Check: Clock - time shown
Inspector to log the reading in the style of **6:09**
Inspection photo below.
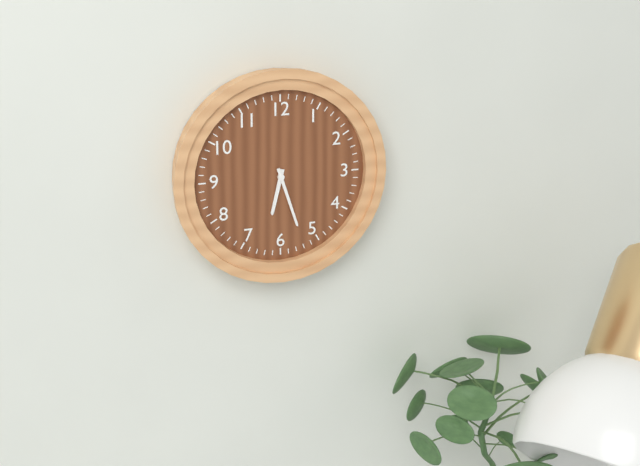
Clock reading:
**6:27**
